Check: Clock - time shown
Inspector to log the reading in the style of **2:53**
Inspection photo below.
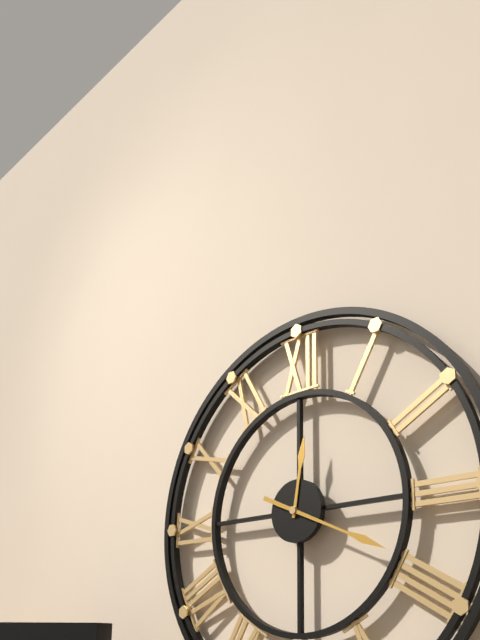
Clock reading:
**12:19**
